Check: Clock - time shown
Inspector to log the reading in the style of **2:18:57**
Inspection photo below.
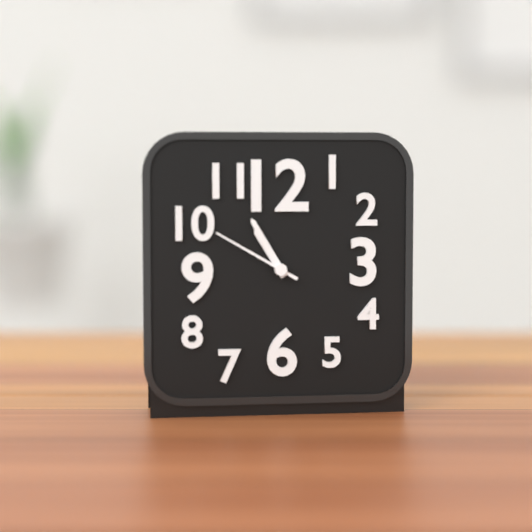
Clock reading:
**10:55:50**
